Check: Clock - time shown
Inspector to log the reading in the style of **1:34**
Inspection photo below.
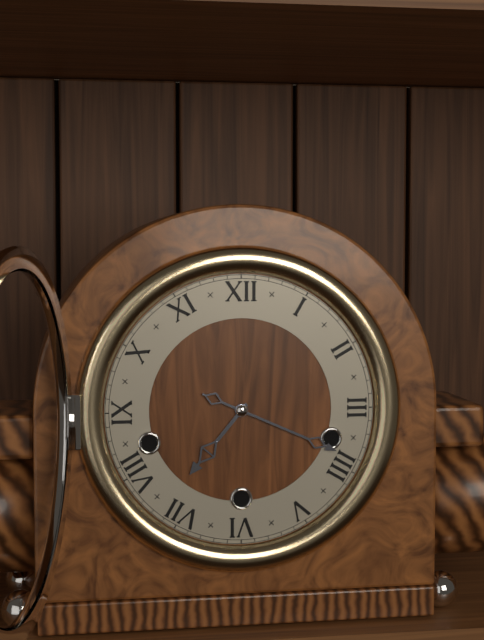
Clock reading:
**7:19**
